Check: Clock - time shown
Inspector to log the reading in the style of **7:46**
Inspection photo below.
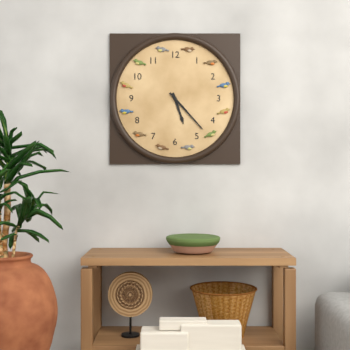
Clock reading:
**5:23**
